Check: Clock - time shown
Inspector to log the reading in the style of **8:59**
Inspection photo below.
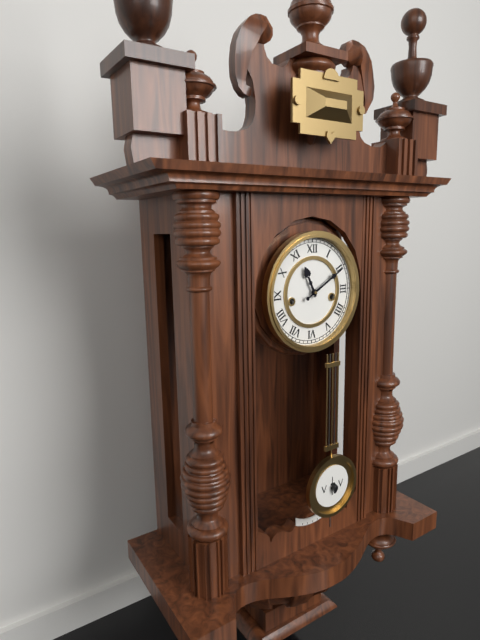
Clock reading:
**11:10**
